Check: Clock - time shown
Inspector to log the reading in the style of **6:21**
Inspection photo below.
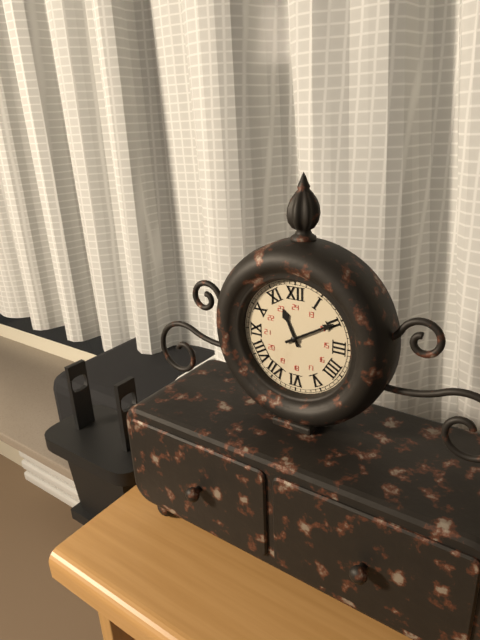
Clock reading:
**11:10**
